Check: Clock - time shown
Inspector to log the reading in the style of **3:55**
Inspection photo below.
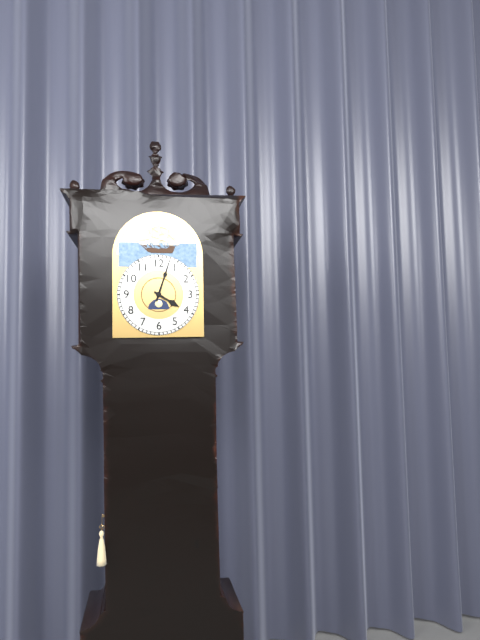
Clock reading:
**4:03**
